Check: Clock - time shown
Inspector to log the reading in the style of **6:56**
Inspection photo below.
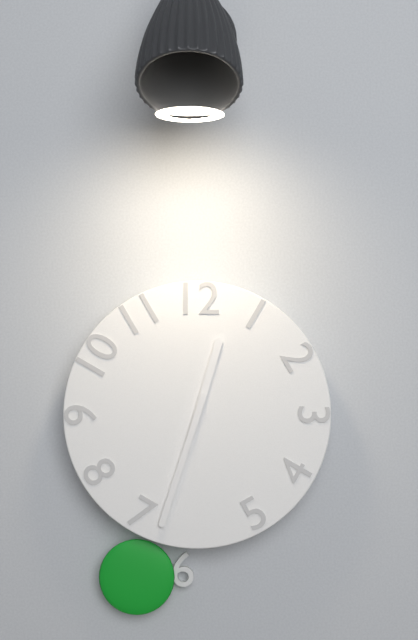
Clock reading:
**12:33**
